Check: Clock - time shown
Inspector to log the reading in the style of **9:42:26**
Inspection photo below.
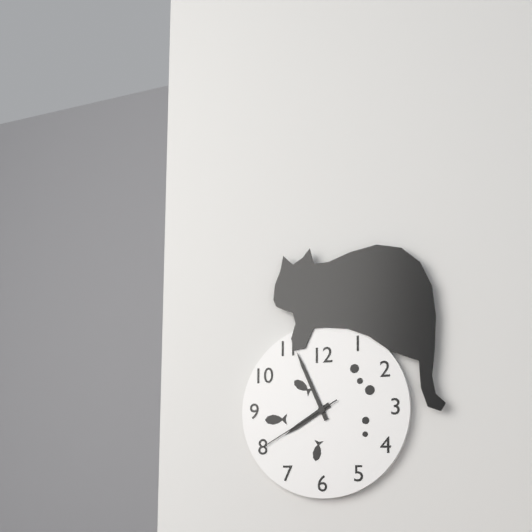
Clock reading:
**7:56:40**
